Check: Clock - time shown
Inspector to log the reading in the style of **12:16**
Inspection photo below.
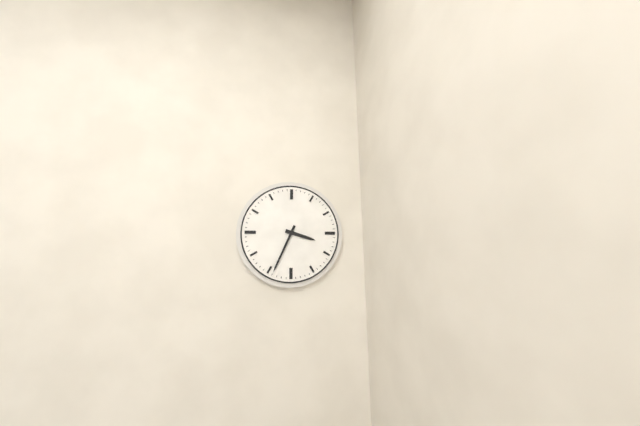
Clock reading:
**3:34**
